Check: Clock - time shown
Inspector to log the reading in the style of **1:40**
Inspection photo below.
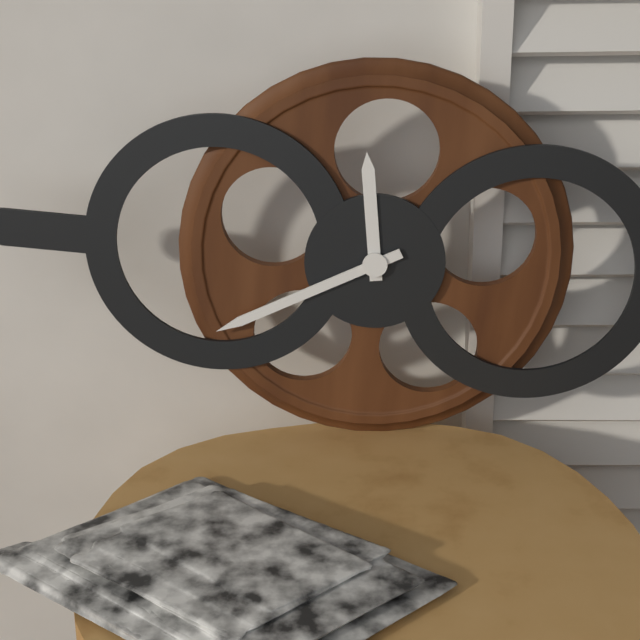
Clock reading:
**11:40**
